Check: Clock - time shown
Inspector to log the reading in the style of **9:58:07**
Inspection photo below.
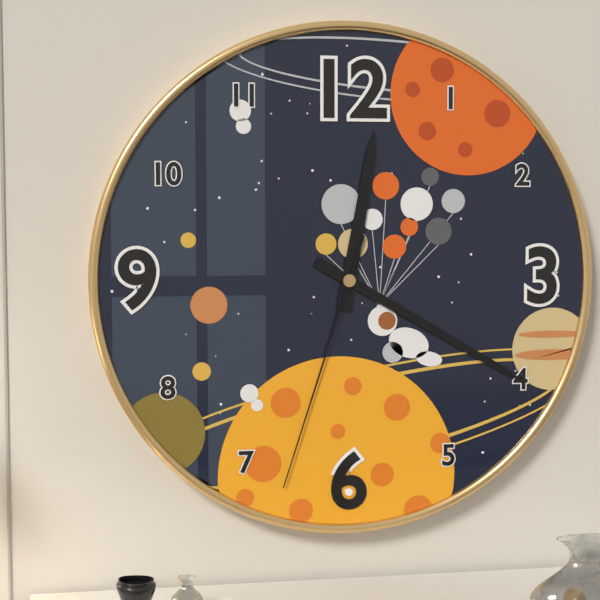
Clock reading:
**12:20:33**
